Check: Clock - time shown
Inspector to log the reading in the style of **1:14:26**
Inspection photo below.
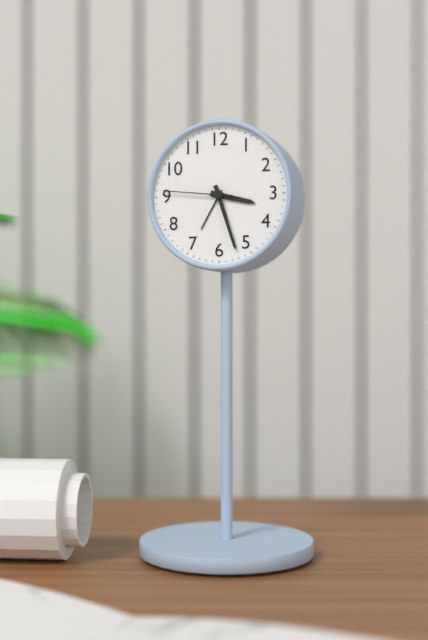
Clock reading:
**3:27:46**
